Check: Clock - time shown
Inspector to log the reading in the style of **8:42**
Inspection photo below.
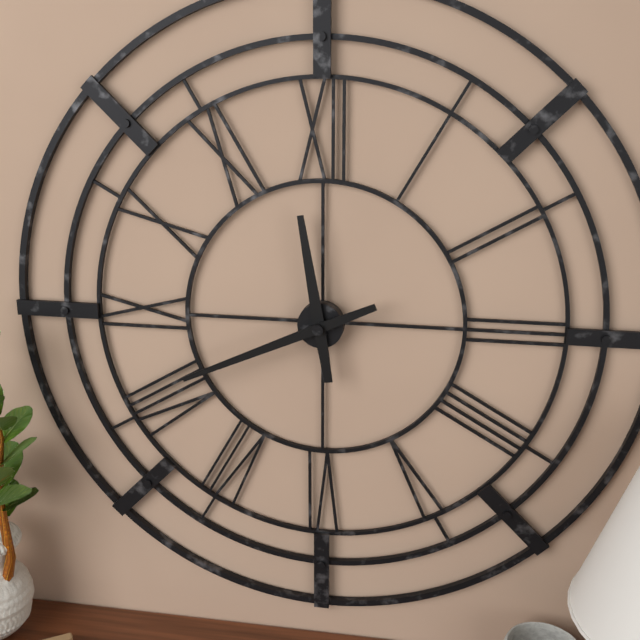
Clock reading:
**11:41**
